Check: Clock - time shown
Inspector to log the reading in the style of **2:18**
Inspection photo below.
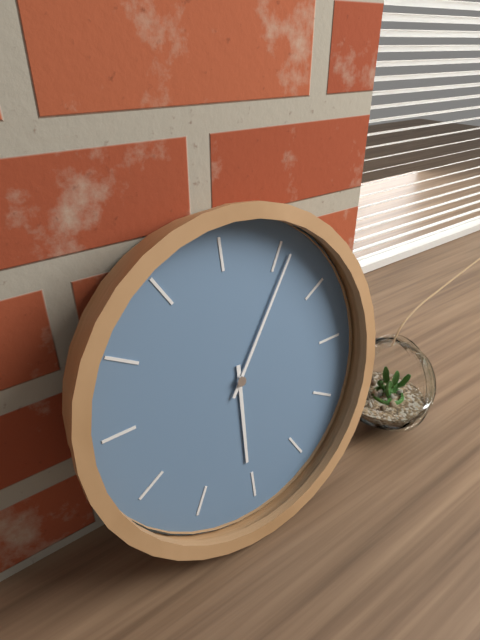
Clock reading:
**6:06**
